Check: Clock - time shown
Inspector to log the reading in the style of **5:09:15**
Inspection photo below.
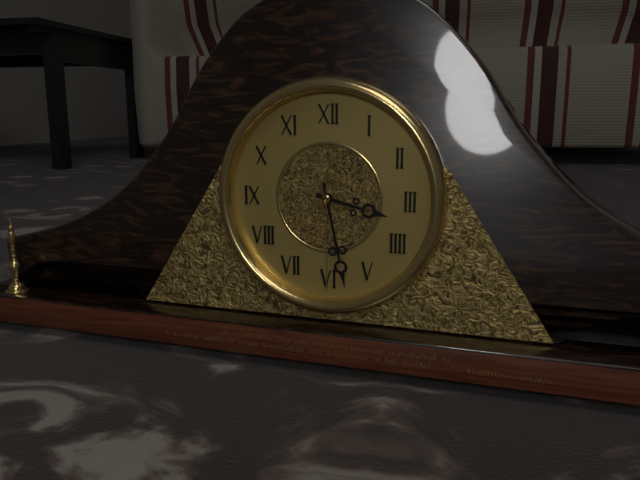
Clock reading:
**3:28:30**
